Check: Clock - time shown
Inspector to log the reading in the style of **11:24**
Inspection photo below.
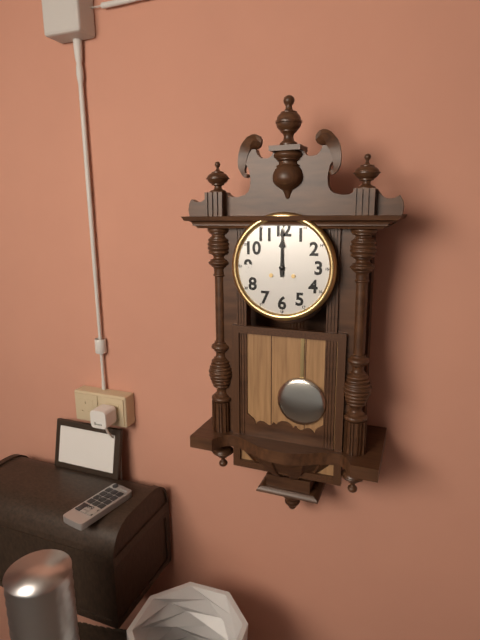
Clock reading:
**12:00**
